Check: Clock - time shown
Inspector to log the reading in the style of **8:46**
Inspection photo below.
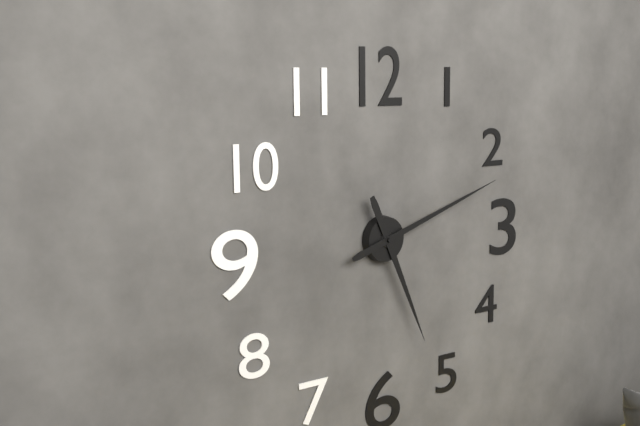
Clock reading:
**5:12**
